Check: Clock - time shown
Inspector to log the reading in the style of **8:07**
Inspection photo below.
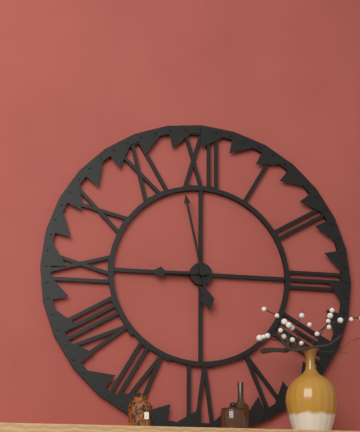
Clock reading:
**8:58**
